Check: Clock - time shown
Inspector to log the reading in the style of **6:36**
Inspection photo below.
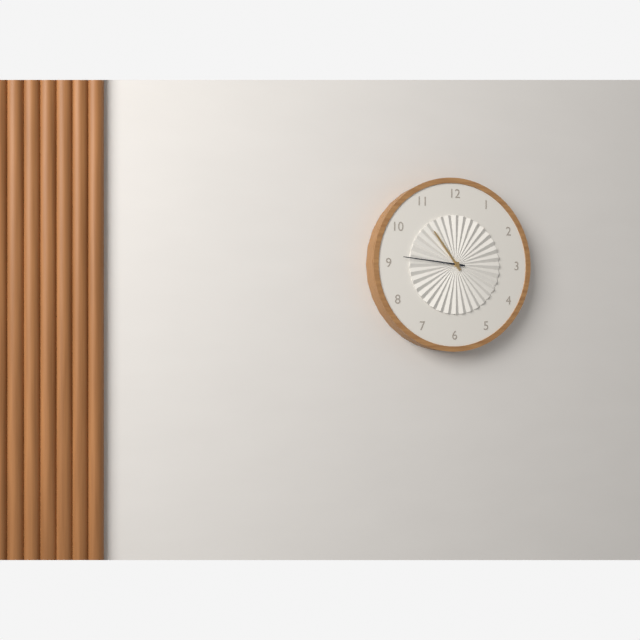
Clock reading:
**10:46**
